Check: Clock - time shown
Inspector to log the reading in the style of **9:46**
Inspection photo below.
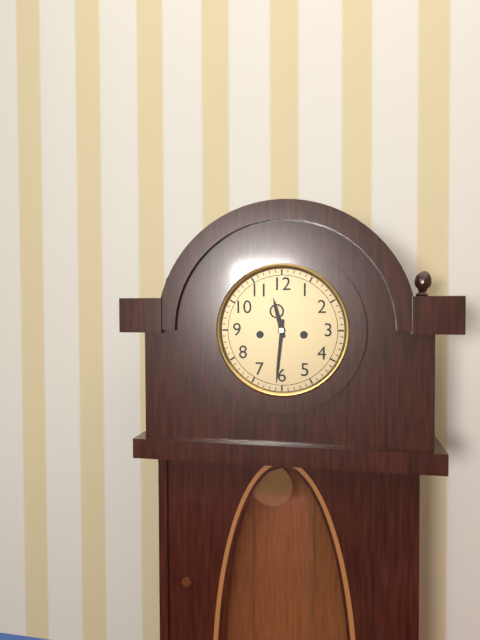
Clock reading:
**11:31**
